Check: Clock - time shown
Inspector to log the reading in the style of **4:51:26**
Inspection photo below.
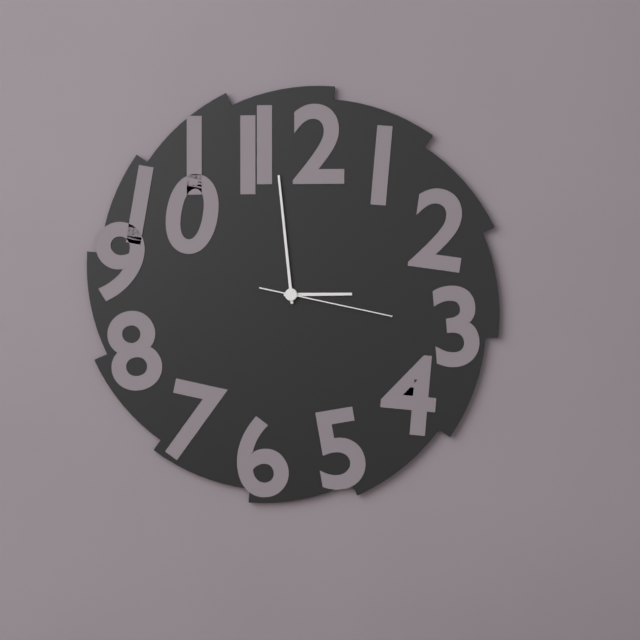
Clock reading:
**2:59:17**
